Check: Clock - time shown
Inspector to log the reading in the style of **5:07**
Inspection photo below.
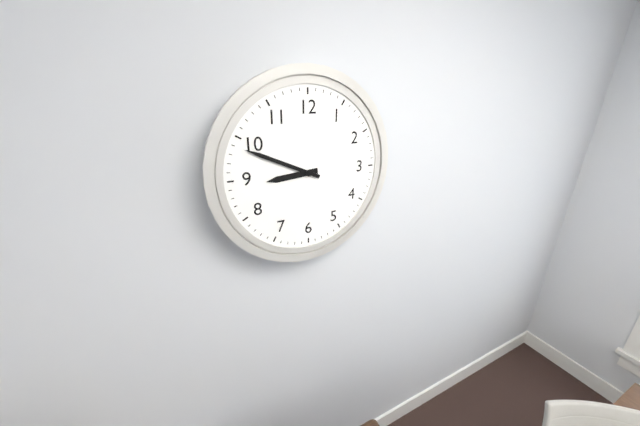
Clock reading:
**8:49**
